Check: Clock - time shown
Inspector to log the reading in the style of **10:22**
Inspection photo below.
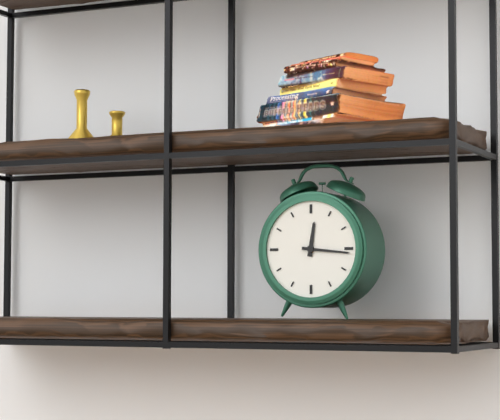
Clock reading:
**12:16**
